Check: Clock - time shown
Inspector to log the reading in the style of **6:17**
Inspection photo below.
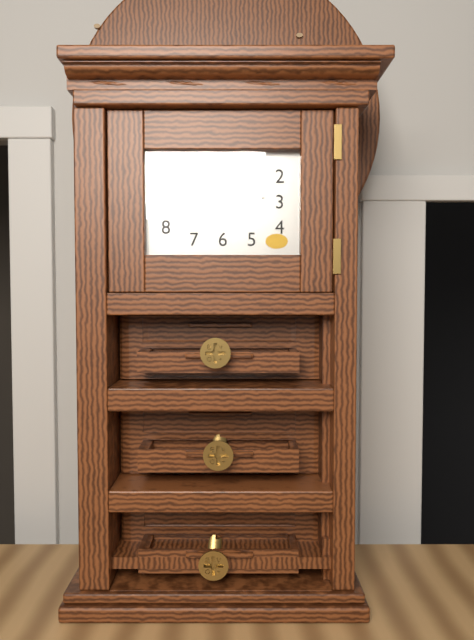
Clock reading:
**4:14**
